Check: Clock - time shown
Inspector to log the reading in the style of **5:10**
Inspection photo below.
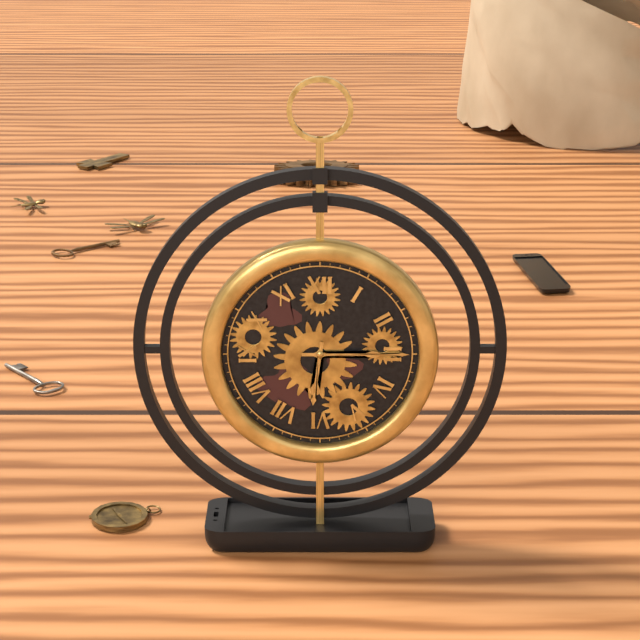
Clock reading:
**6:15**
